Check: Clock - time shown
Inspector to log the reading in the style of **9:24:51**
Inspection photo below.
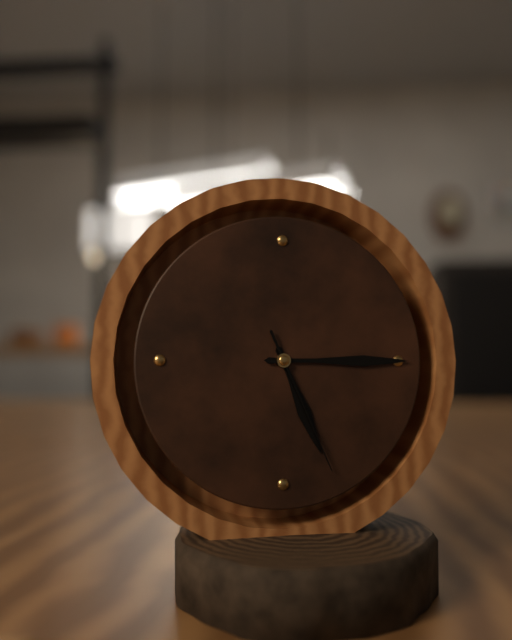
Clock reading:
**5:15:26**
